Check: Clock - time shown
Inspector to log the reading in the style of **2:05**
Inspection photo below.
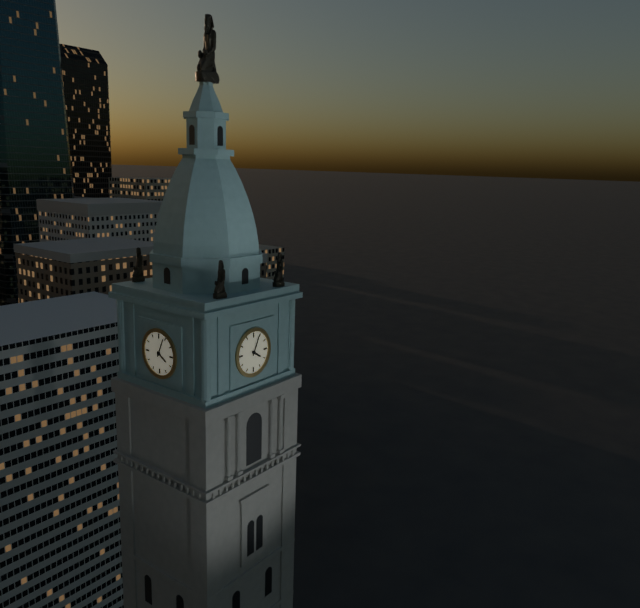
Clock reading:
**4:04**
